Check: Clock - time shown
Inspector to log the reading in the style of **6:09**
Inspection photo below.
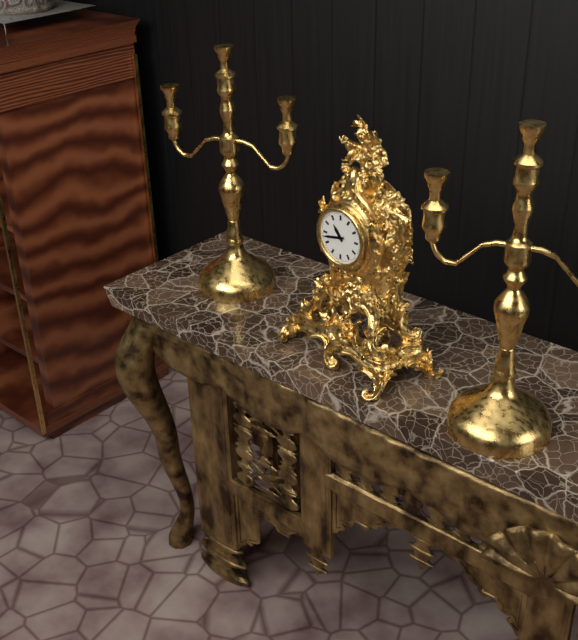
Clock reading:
**10:43**
